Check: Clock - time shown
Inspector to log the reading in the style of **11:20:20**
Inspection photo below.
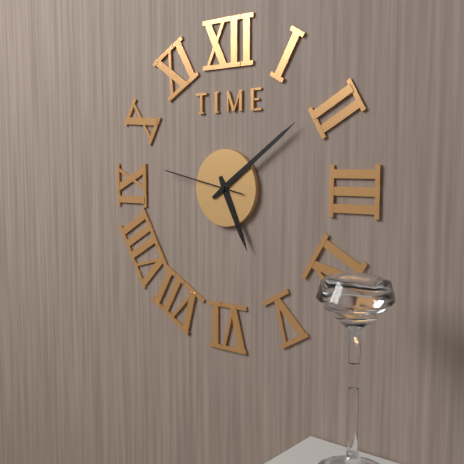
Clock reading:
**5:09:47**
